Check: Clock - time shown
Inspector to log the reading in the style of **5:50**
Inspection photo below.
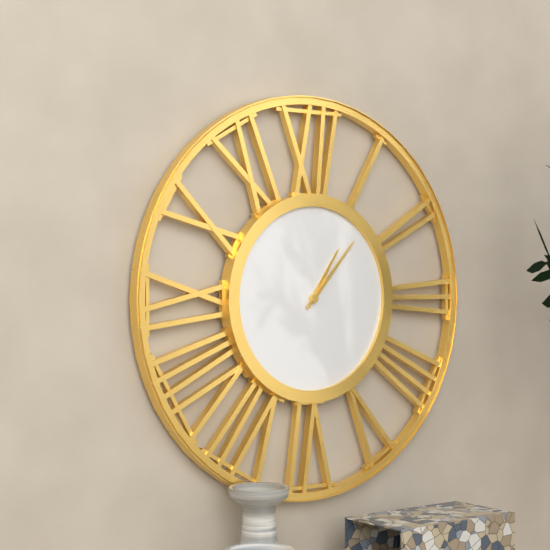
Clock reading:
**1:07**
